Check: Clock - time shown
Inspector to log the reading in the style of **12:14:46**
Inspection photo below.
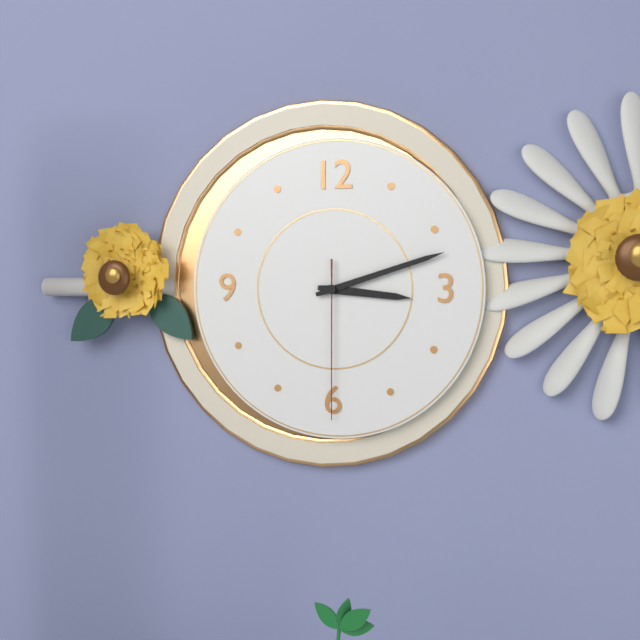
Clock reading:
**3:12:30**
